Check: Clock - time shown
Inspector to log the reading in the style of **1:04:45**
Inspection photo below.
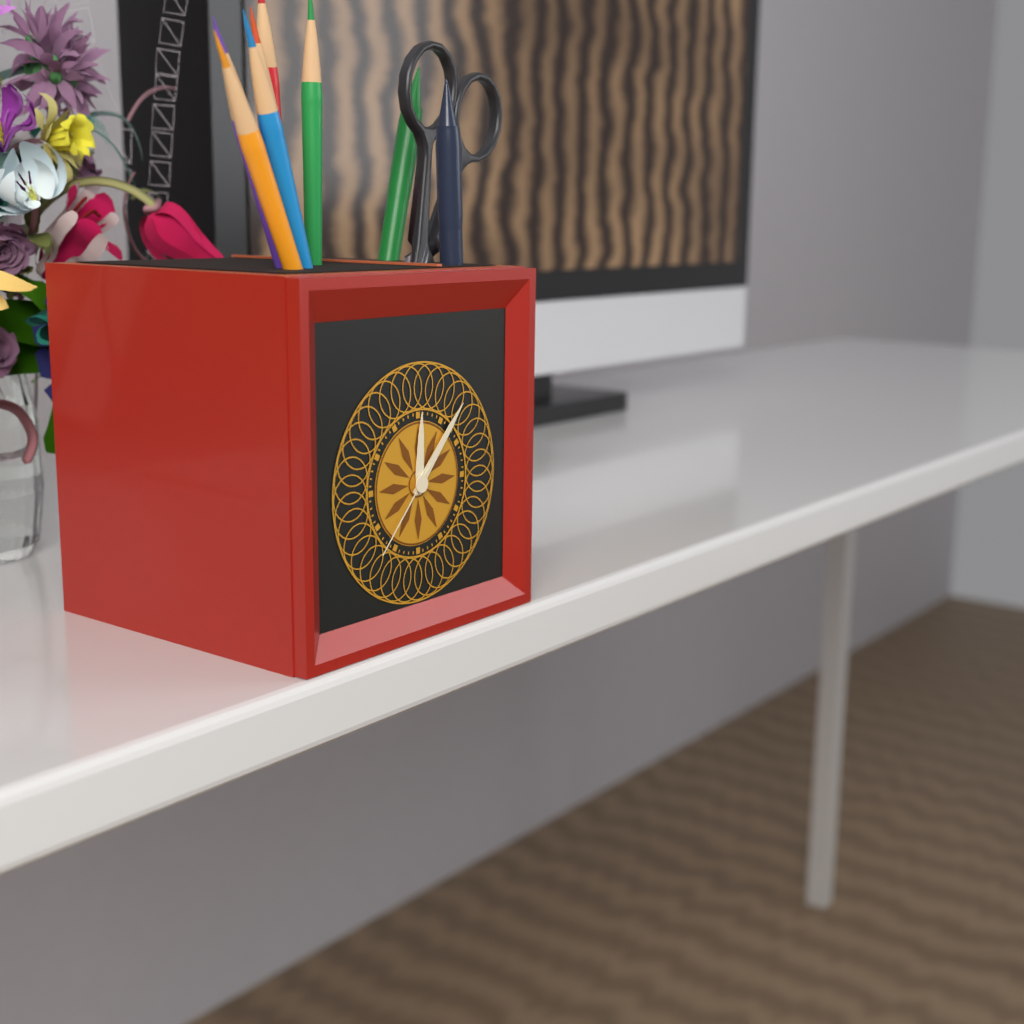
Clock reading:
**12:07:37**
